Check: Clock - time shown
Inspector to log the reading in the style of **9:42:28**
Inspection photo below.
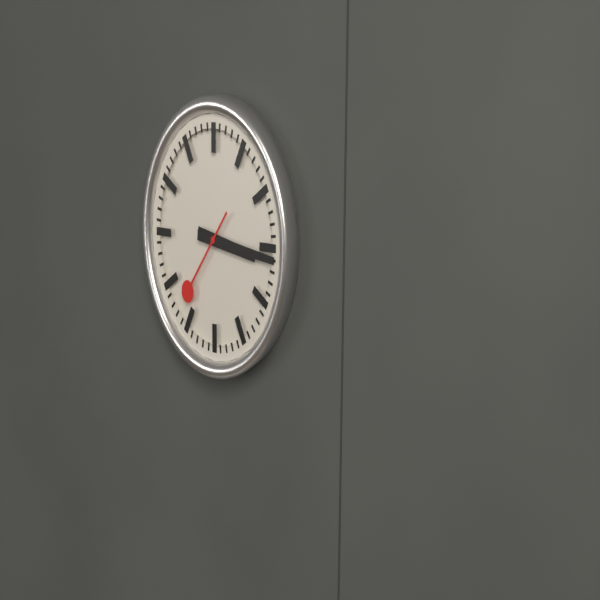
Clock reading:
**3:16:37**
